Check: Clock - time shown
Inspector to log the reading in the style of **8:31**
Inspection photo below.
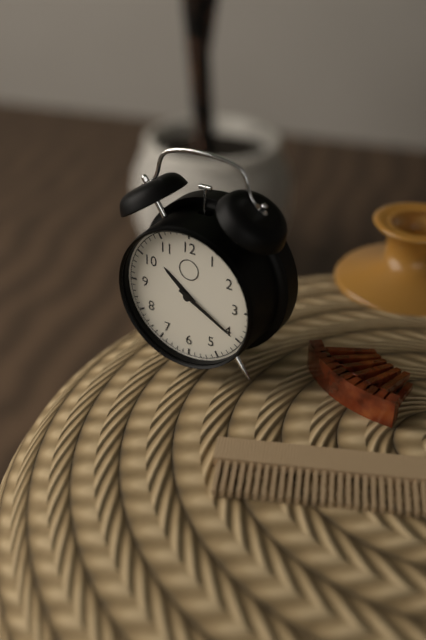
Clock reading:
**10:20**
